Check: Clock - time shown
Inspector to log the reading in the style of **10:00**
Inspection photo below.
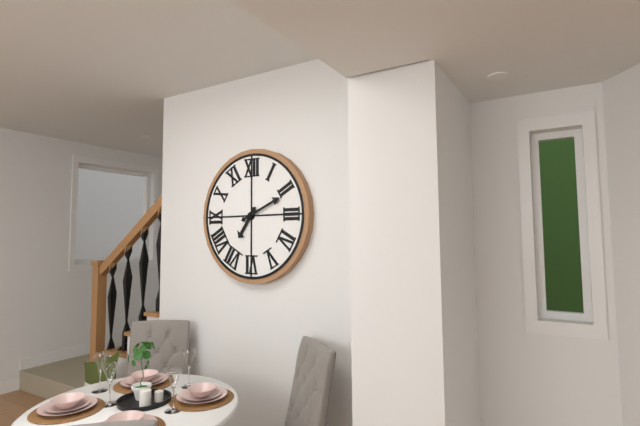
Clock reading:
**7:11**
